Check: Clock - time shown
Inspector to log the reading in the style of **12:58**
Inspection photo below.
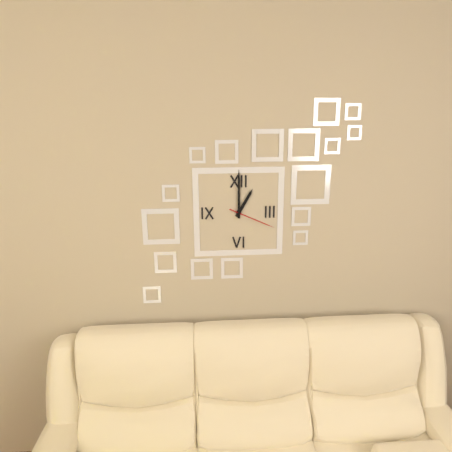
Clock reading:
**1:00**
